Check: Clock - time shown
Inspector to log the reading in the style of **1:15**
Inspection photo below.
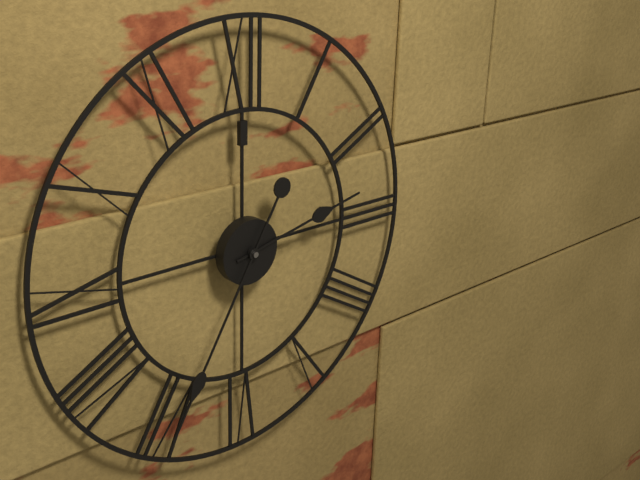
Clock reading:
**2:35**
